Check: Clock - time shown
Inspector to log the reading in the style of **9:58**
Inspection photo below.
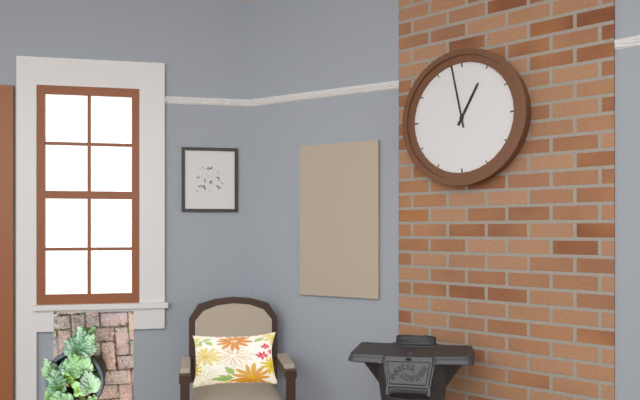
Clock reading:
**12:58**
